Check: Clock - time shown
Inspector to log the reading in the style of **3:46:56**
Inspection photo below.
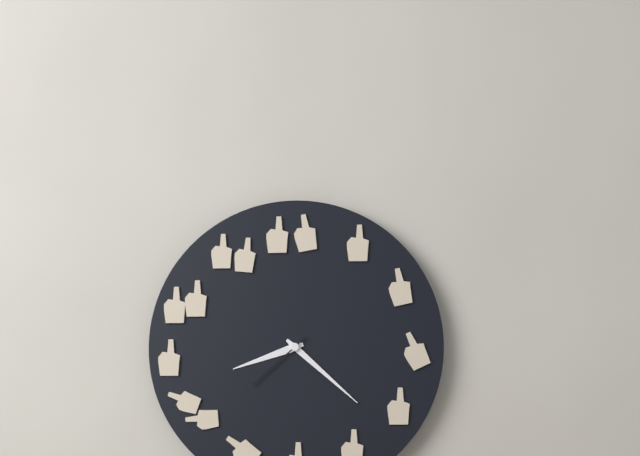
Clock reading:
**8:22:38**
